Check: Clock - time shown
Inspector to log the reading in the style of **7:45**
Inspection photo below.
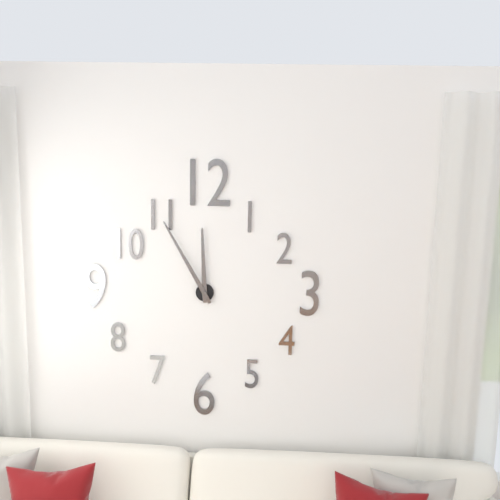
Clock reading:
**11:55**
